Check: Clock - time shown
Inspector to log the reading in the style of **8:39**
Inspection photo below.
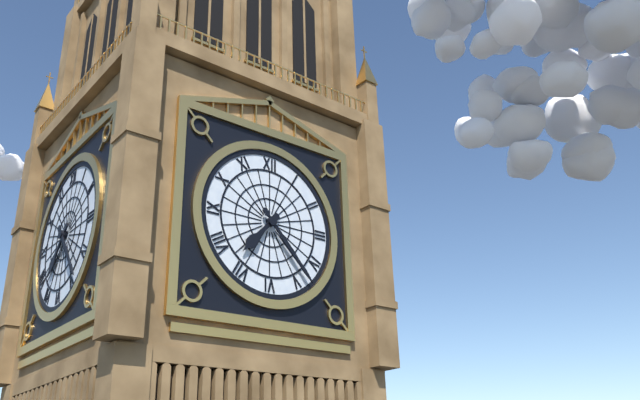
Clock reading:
**7:23**
